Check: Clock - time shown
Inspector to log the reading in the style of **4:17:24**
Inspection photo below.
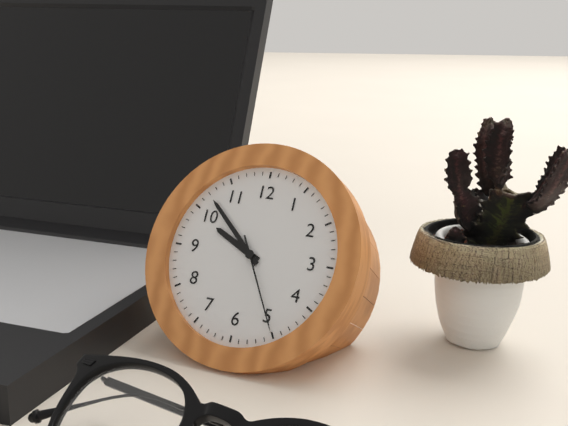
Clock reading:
**9:52:25**
